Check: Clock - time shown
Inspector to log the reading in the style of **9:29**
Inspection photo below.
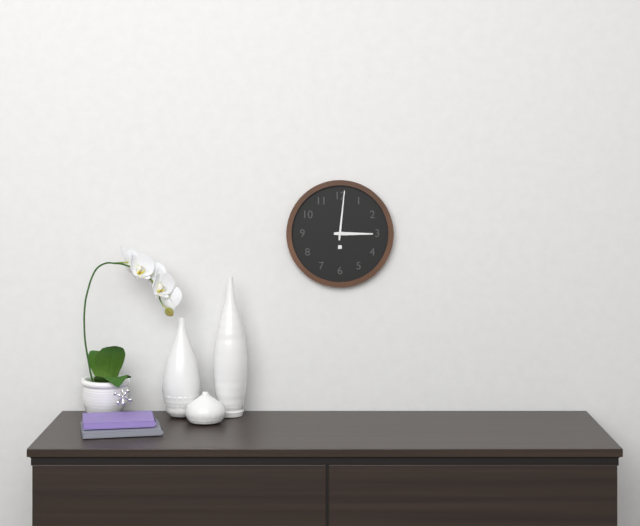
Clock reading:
**3:01**
